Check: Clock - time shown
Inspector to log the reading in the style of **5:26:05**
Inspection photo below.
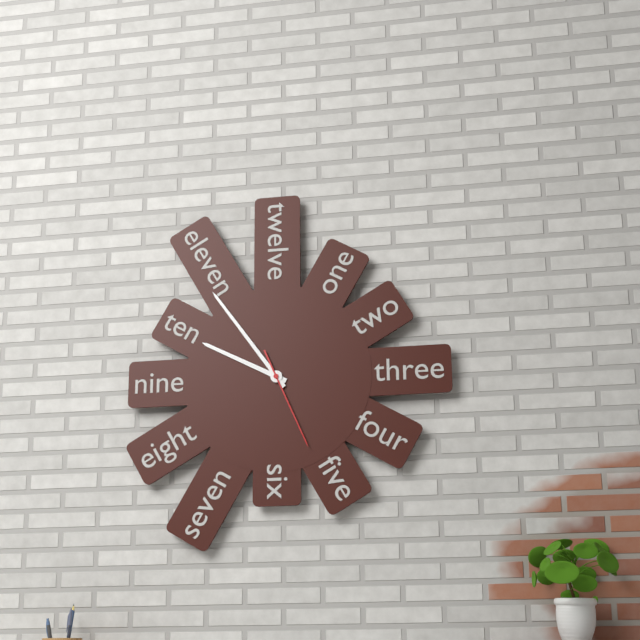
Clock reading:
**9:54:26**
